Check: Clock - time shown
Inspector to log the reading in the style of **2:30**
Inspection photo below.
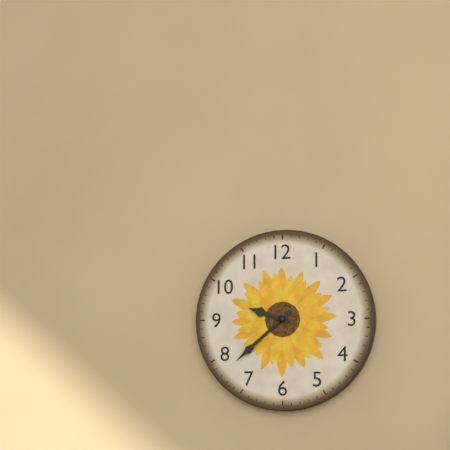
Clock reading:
**9:38**
